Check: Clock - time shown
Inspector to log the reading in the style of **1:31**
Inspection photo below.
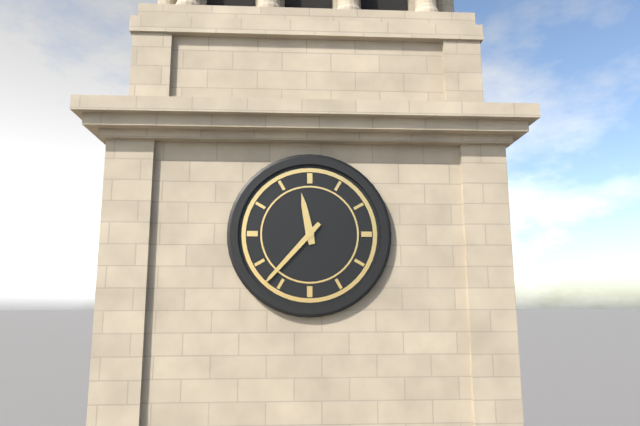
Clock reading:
**11:37**
